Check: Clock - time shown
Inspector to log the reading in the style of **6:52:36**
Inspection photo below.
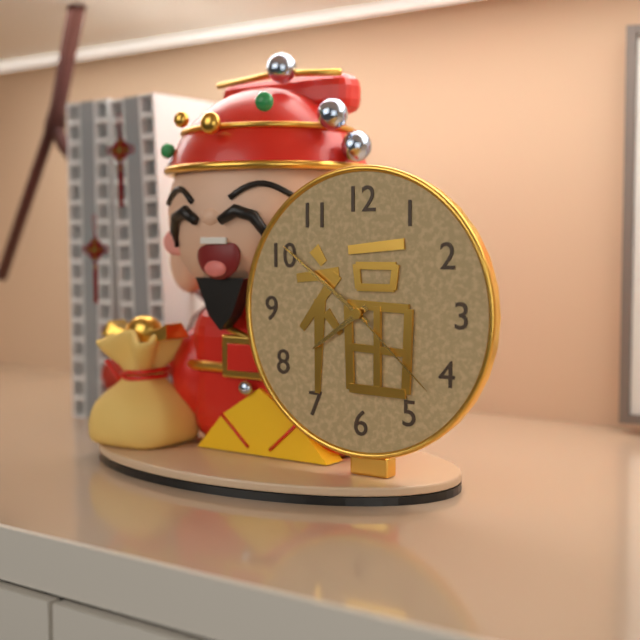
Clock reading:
**7:51:22**
